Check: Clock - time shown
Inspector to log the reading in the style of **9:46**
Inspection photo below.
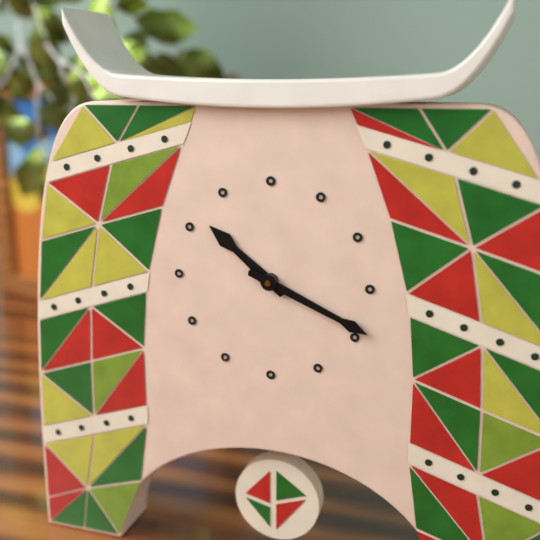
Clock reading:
**10:19**
